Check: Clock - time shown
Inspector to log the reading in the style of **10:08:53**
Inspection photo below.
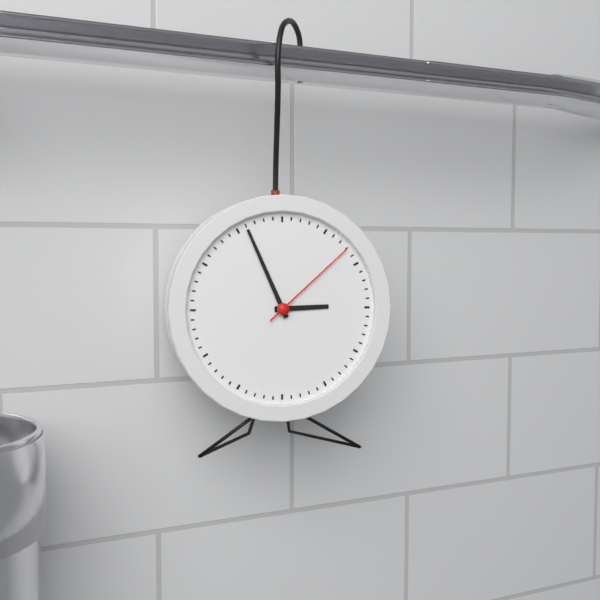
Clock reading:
**2:56:08**
